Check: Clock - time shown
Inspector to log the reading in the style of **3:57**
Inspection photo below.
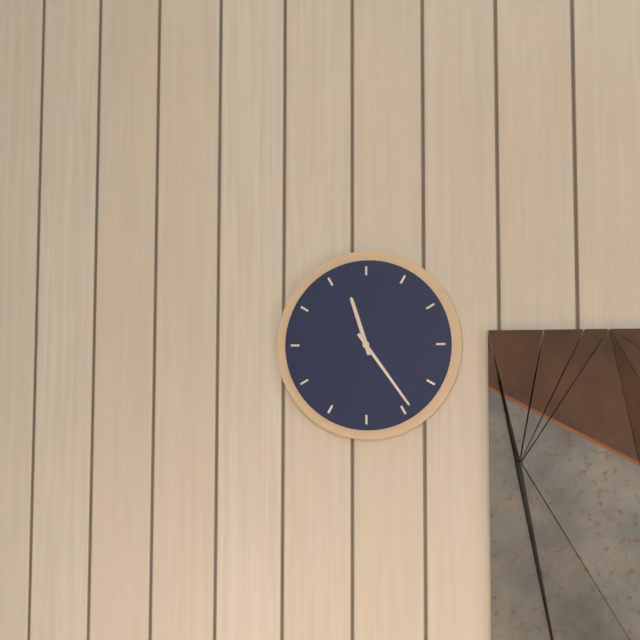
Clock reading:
**11:24**
